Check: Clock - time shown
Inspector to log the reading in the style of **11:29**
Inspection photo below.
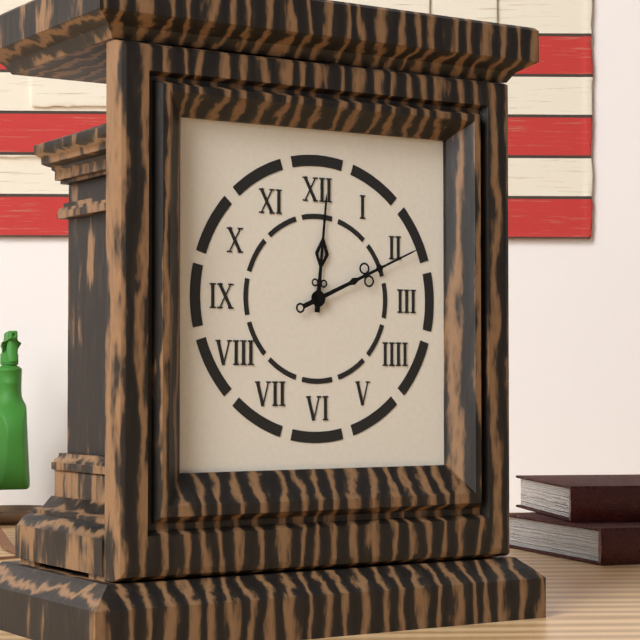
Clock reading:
**12:11**
